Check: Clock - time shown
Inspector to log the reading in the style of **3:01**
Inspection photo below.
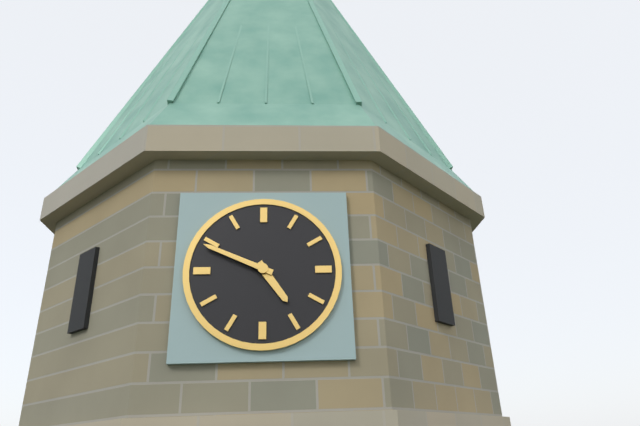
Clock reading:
**4:49**
